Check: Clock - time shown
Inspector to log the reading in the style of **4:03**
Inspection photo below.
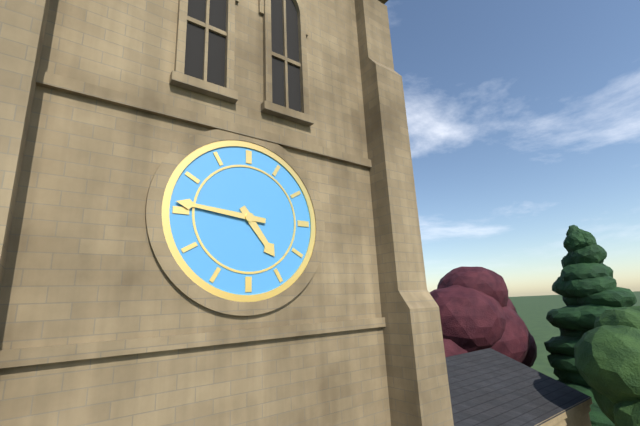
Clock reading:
**4:46**
